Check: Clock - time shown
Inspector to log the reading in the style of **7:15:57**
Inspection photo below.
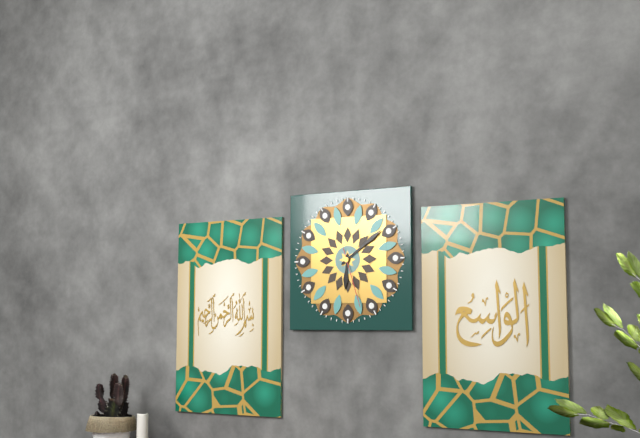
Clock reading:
**6:09:27**
